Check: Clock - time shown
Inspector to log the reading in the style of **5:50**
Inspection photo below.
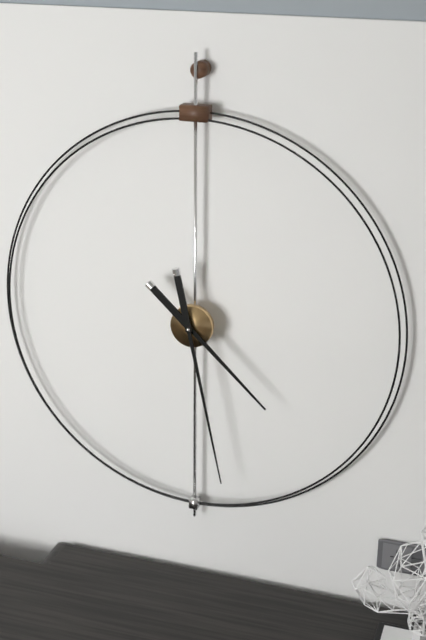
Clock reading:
**4:28**
